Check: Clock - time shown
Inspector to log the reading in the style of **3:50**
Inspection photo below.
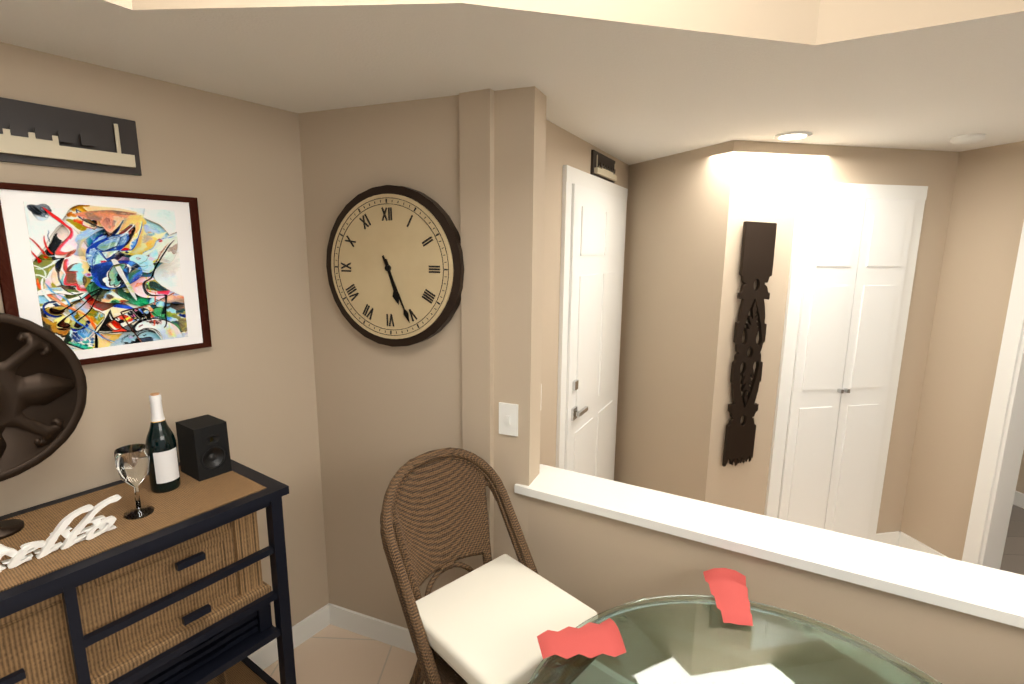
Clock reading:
**5:26**
